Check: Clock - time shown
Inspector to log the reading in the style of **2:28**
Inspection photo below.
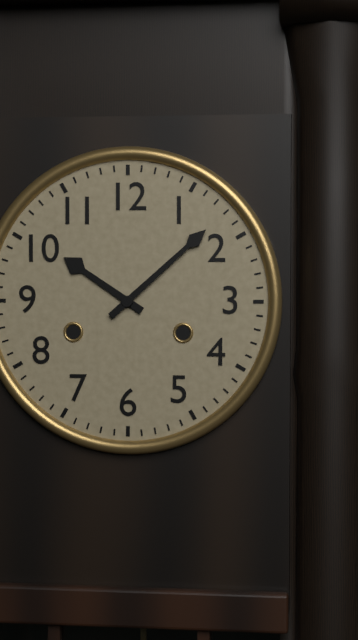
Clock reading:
**10:08**
